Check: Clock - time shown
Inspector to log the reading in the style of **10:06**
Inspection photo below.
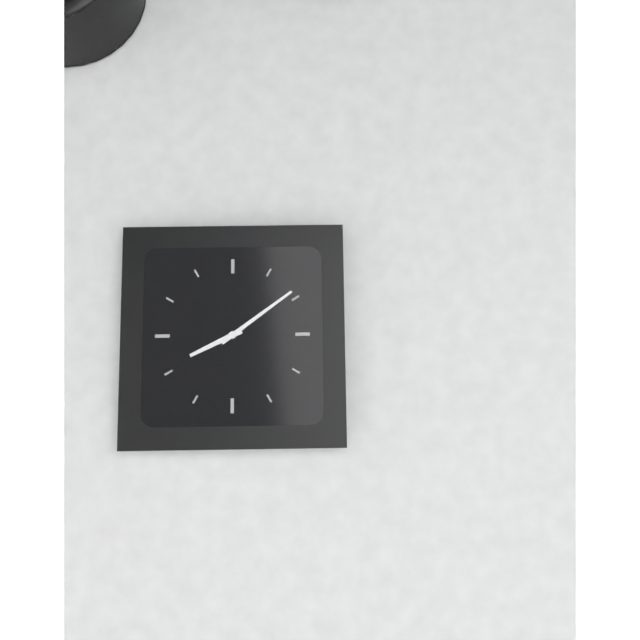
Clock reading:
**8:09**
